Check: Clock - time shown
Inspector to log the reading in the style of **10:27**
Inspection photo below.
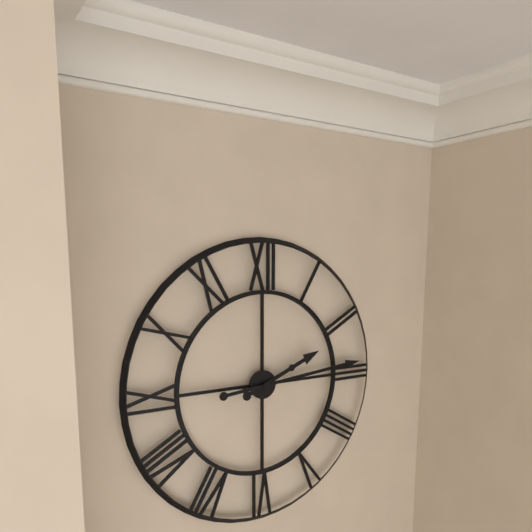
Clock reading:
**2:14**
